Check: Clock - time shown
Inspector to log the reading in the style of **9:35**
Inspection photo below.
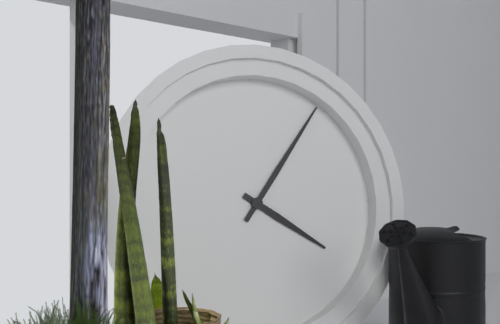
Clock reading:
**4:06**
